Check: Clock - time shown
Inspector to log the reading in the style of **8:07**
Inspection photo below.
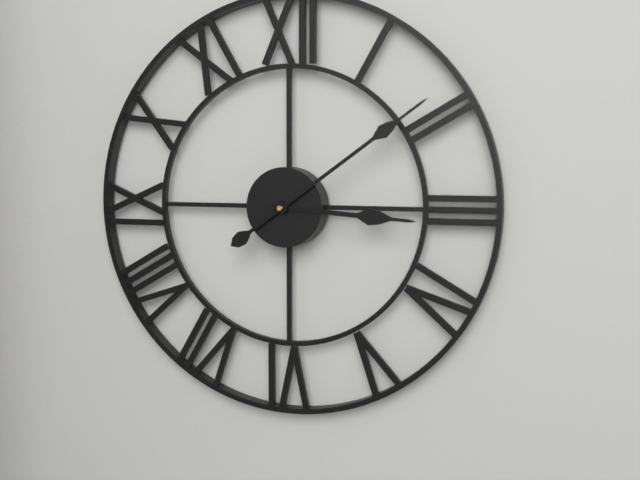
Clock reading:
**3:09**
